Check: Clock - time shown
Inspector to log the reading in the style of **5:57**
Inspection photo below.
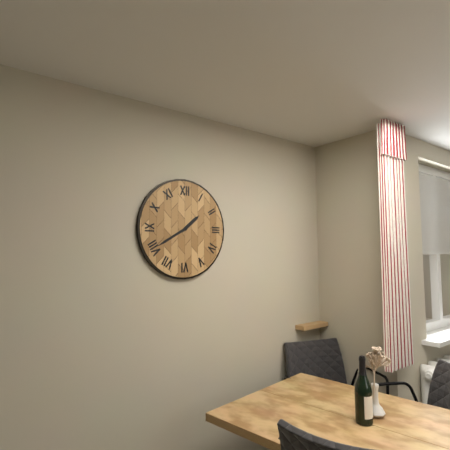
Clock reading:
**1:40**
